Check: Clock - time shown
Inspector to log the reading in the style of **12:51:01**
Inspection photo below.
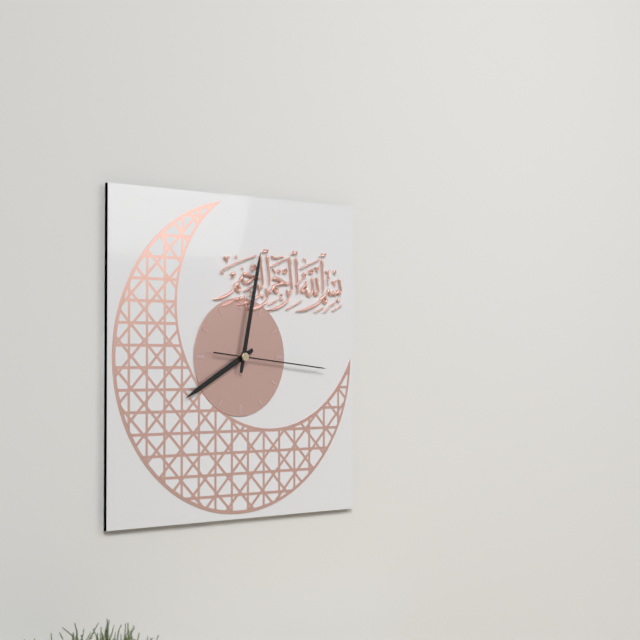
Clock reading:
**8:02:16**
